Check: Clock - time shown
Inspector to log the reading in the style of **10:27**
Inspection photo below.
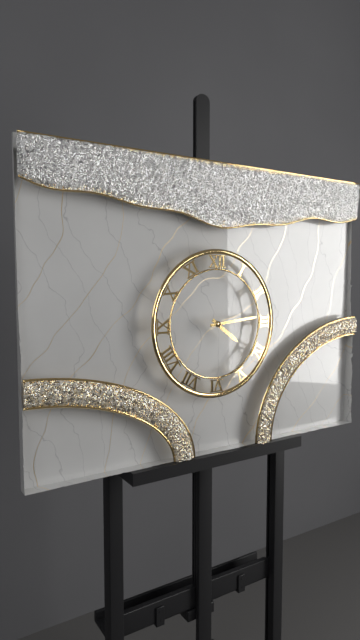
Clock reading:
**4:14**
